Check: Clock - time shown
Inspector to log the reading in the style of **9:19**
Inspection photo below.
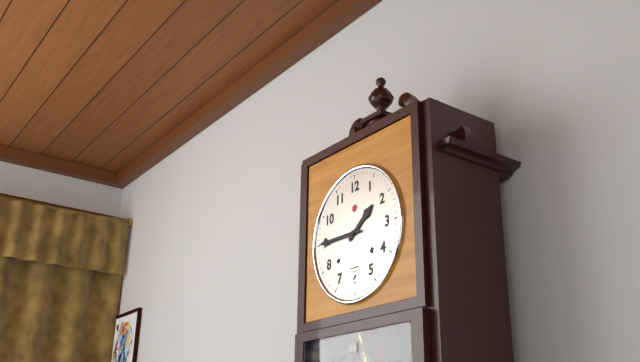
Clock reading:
**1:45**
